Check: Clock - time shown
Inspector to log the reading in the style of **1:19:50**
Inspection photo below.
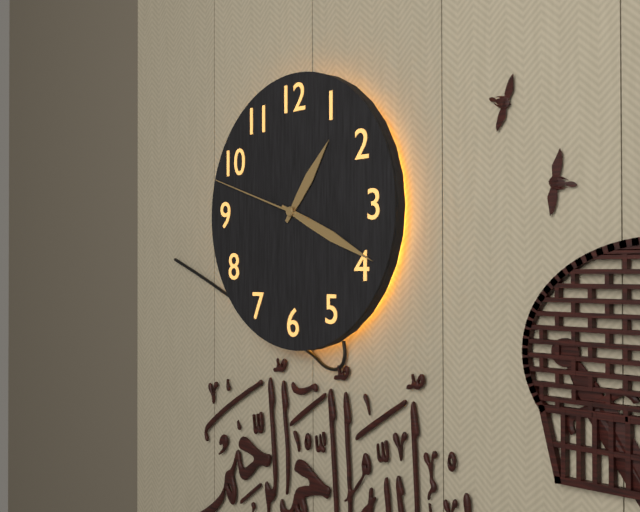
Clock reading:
**1:19:48**
